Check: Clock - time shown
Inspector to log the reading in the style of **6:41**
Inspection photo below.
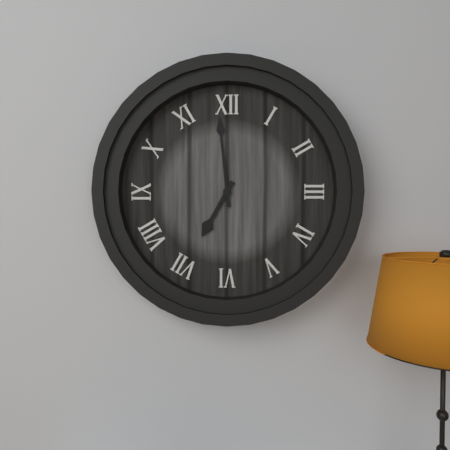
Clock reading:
**6:59**
